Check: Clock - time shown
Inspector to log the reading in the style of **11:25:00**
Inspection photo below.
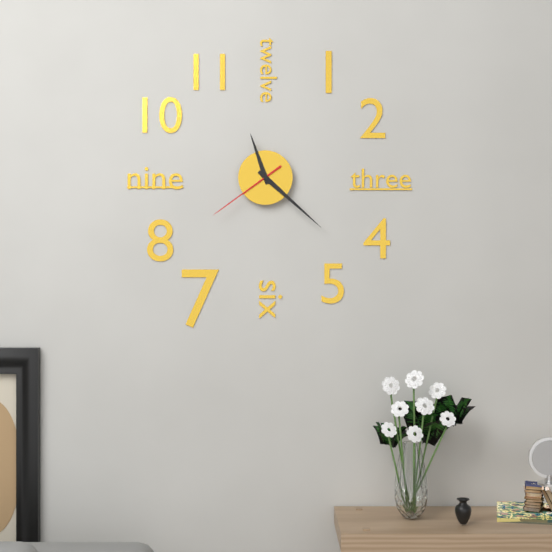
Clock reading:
**11:22:39**
